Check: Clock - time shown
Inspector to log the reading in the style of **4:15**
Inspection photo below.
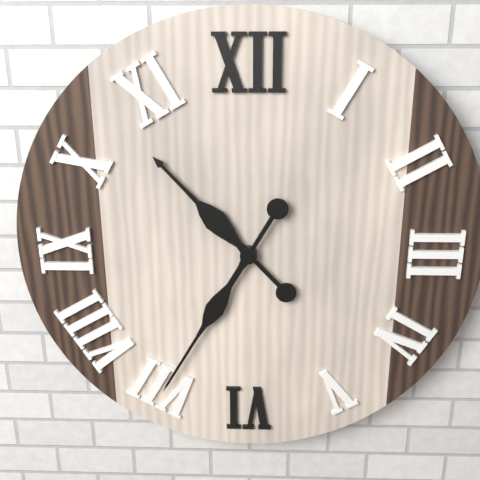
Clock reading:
**10:35**
